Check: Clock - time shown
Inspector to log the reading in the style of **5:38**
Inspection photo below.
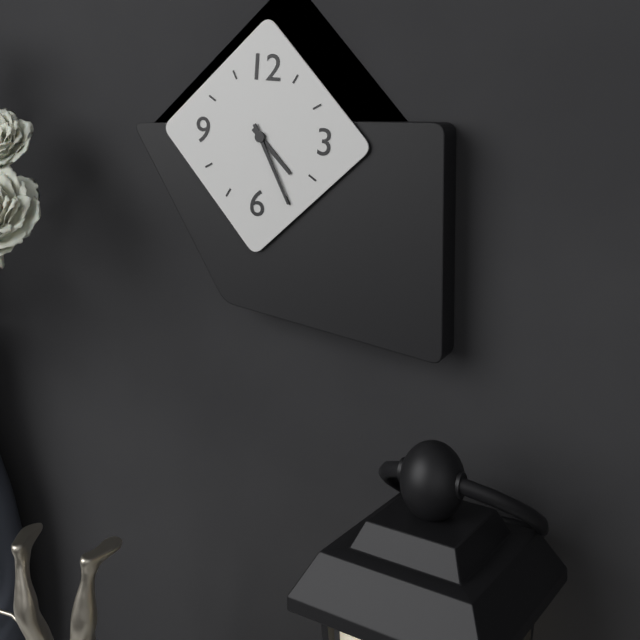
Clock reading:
**4:25**
